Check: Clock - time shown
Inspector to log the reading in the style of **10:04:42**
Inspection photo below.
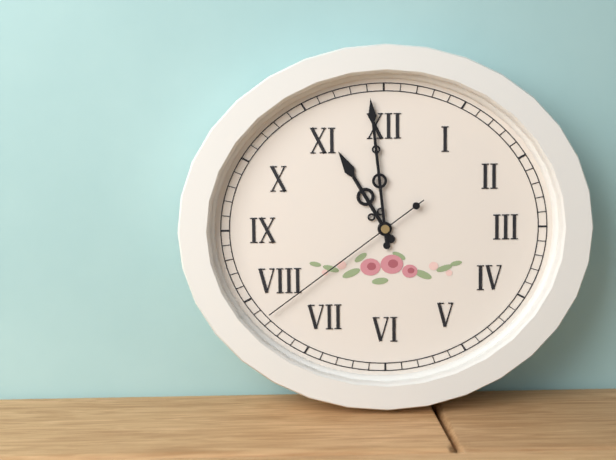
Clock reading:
**10:59:39**
